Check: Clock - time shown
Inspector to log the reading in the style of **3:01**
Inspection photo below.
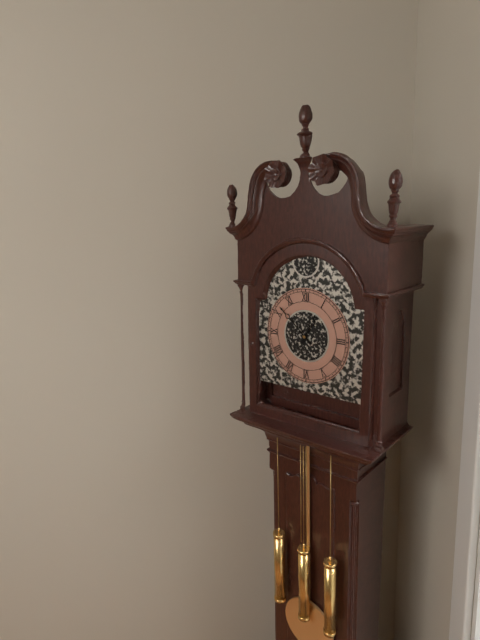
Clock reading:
**12:52**
